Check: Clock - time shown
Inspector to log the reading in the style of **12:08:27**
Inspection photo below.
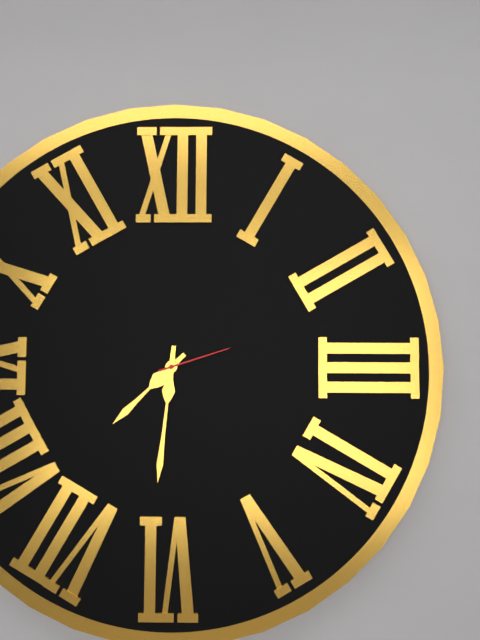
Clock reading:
**7:31:12**
